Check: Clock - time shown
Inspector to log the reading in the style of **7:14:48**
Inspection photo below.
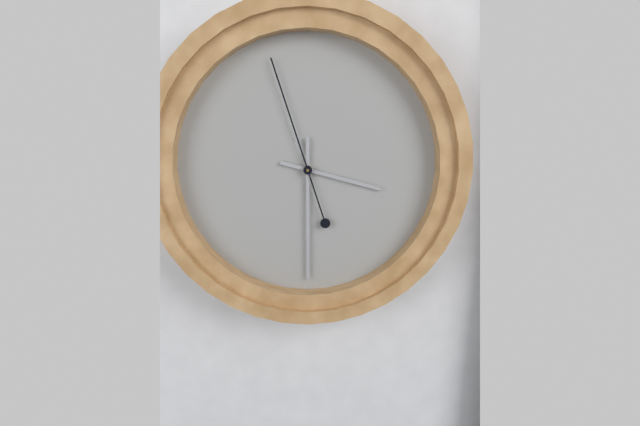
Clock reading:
**3:30:57**
